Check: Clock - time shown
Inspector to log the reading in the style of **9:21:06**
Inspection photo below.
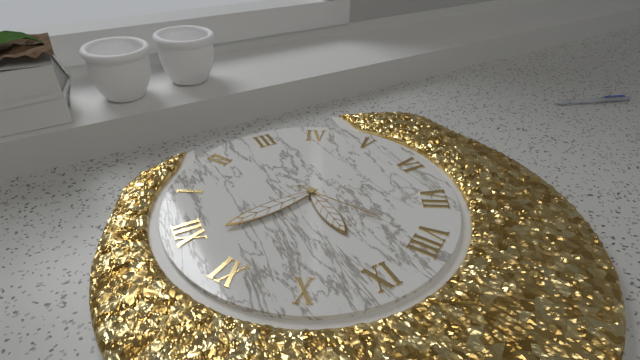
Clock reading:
**8:59:40**
